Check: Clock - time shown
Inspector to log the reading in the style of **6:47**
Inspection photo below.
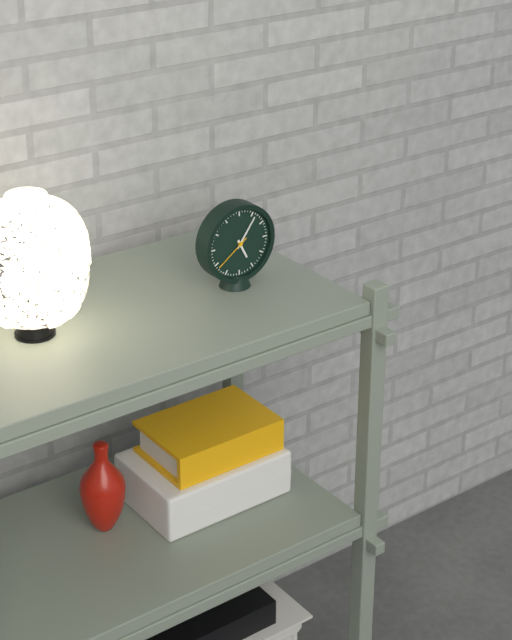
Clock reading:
**5:06**
